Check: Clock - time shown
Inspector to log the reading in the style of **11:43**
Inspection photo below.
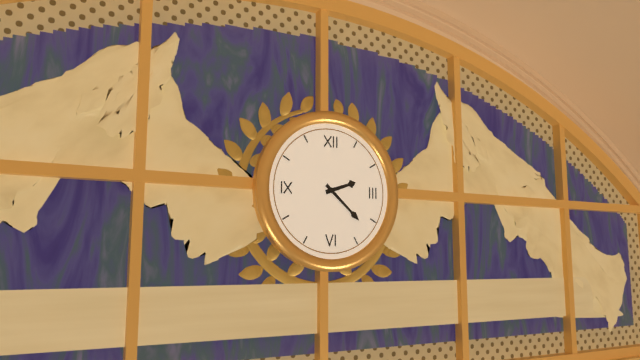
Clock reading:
**2:22**
